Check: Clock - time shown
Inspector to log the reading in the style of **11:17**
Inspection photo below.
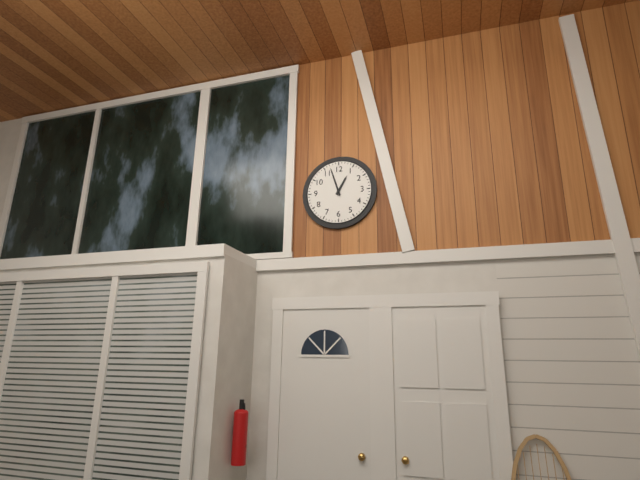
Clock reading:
**12:57**
